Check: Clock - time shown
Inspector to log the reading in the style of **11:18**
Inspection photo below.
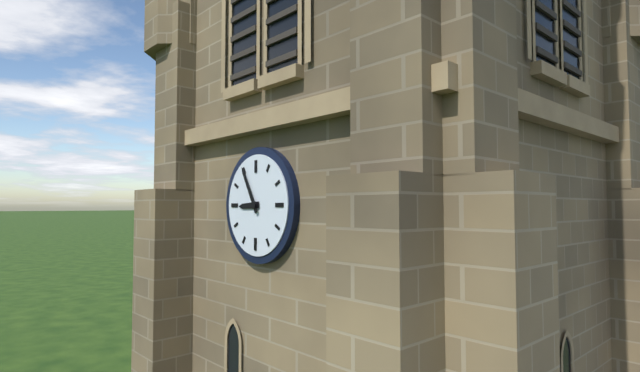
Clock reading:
**8:55**
